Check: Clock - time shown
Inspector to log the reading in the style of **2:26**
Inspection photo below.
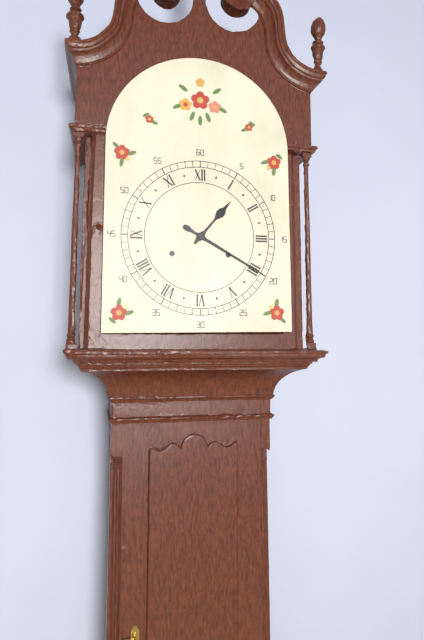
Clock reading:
**1:20**
